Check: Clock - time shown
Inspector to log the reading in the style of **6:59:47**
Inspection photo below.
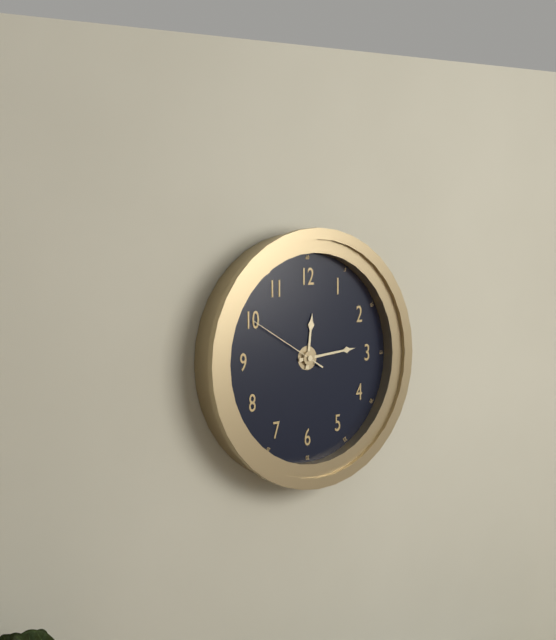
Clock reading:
**12:14:50**
